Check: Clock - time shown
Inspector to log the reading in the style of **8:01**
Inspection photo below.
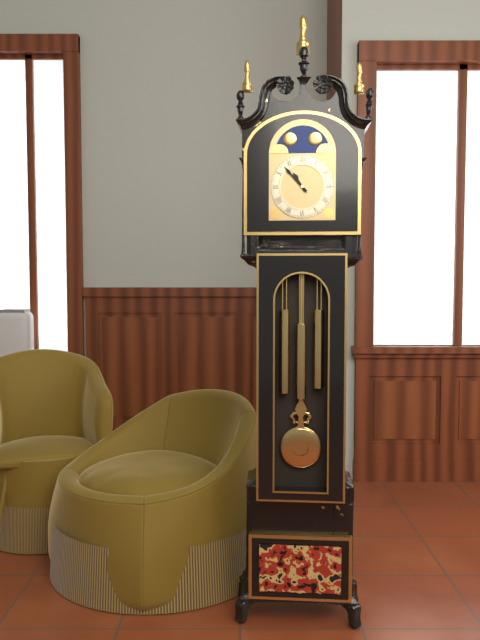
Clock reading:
**10:53**
